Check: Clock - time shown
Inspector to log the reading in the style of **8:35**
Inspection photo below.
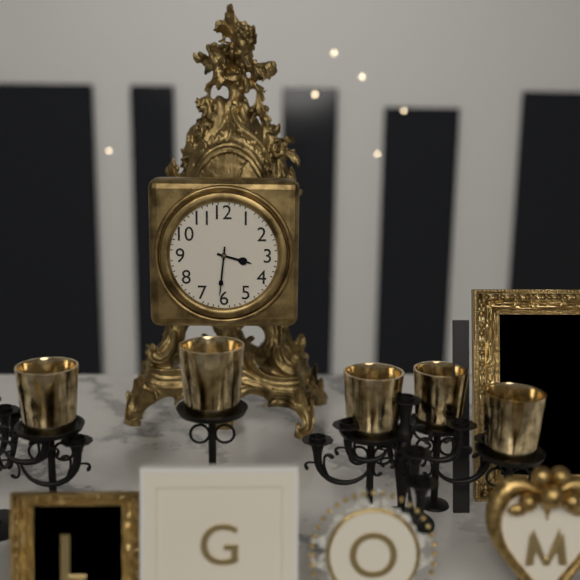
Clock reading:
**3:31**
